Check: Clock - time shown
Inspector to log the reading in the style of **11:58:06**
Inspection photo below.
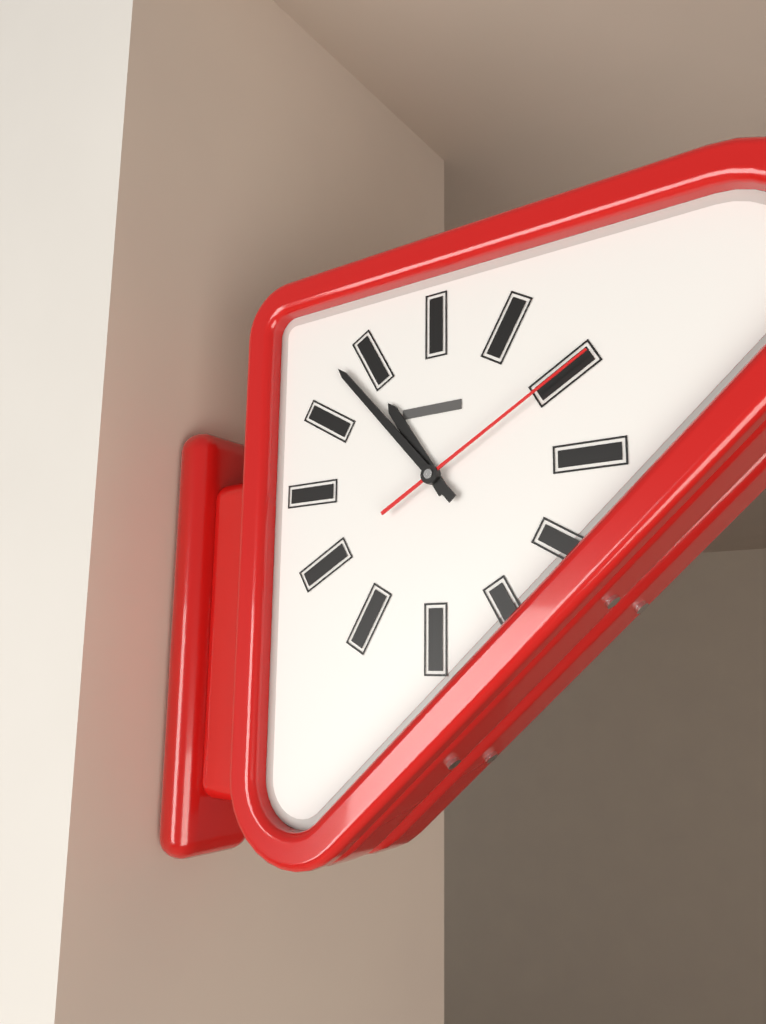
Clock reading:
**10:53:10**
